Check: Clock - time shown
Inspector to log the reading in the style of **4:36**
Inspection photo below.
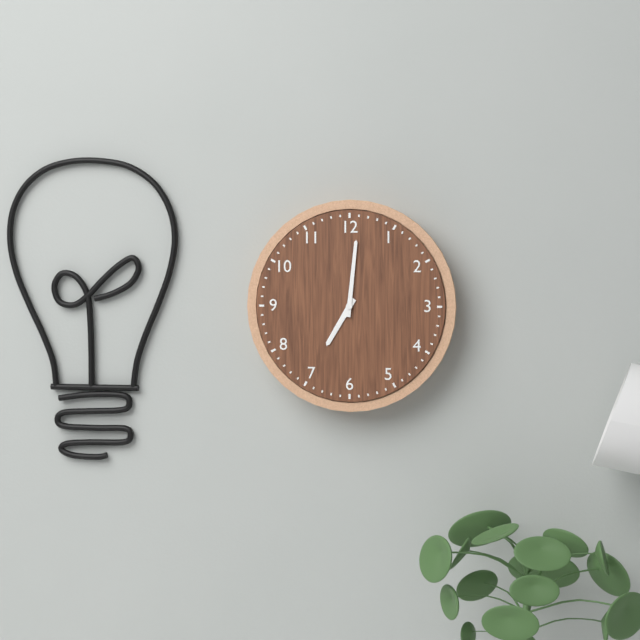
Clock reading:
**7:01**
